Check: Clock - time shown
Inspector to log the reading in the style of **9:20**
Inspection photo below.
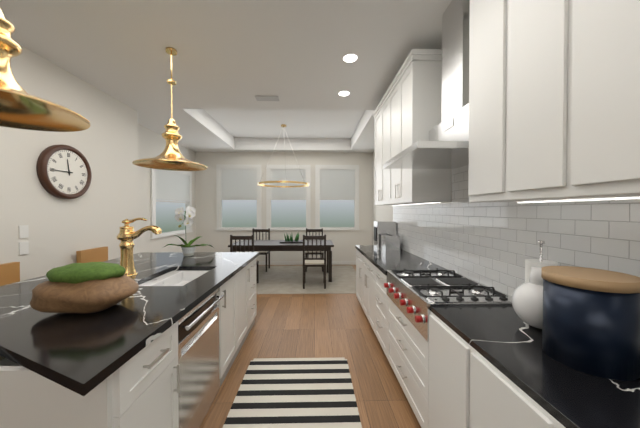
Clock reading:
**11:45**
